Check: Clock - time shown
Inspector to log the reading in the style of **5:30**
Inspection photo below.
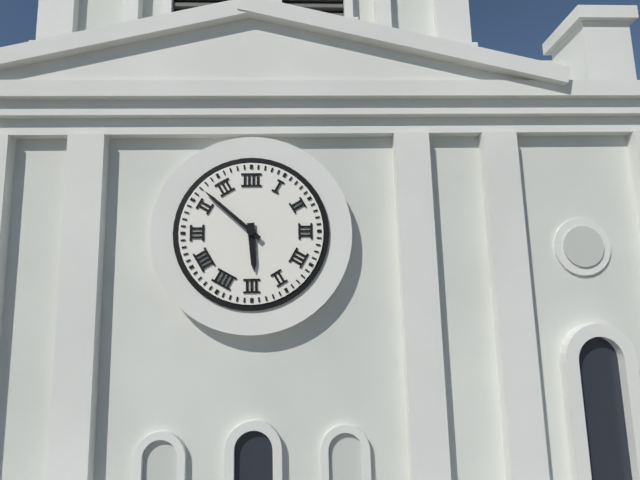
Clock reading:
**5:52**
